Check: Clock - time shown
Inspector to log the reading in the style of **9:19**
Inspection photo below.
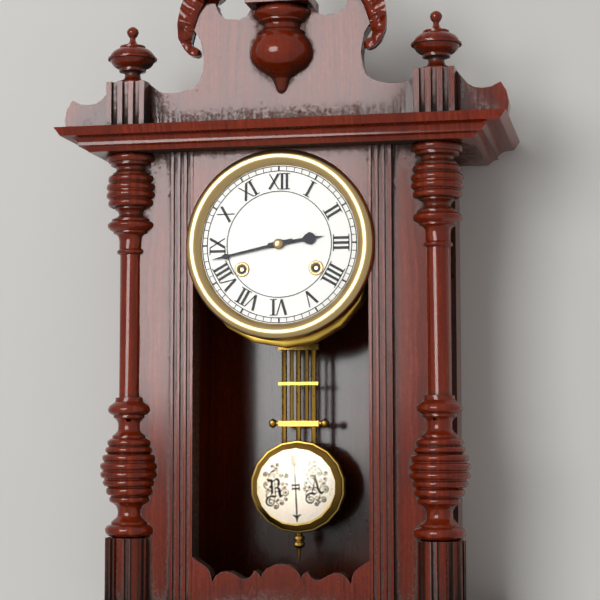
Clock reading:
**2:43**
